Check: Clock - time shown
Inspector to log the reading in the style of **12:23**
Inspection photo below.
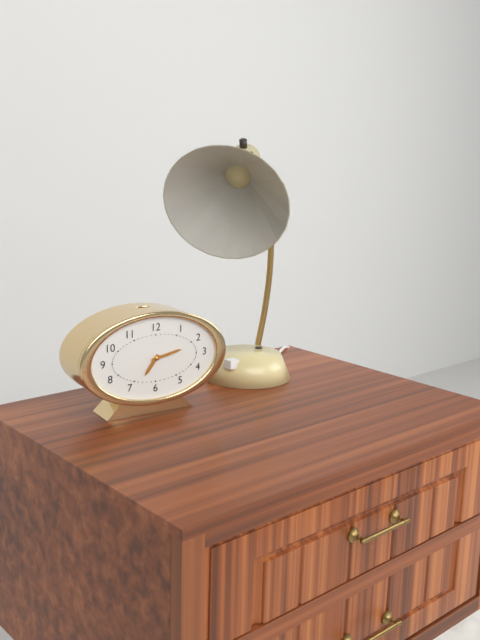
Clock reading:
**7:13**
